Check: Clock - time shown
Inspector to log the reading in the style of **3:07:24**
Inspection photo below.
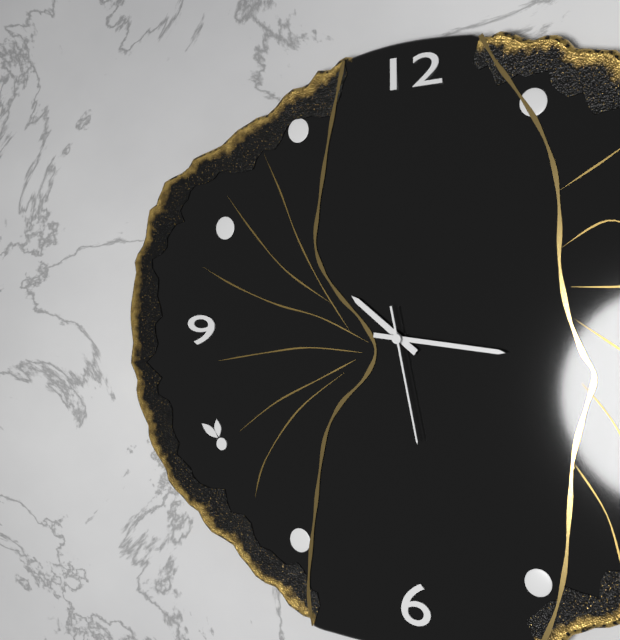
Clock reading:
**10:16:28**
